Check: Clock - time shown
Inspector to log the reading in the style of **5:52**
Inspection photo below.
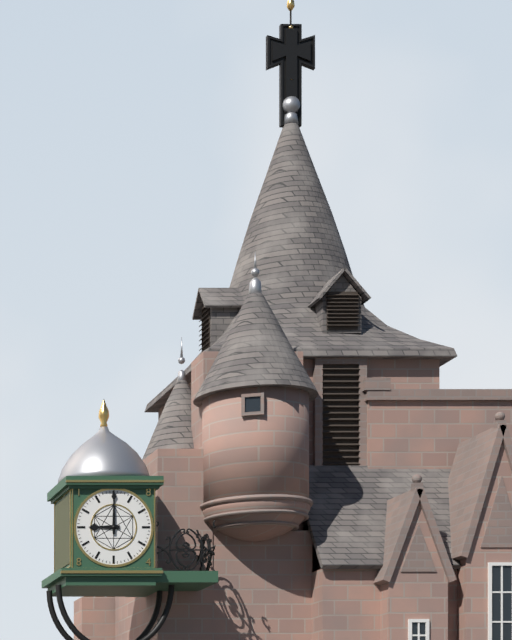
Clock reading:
**9:00**
